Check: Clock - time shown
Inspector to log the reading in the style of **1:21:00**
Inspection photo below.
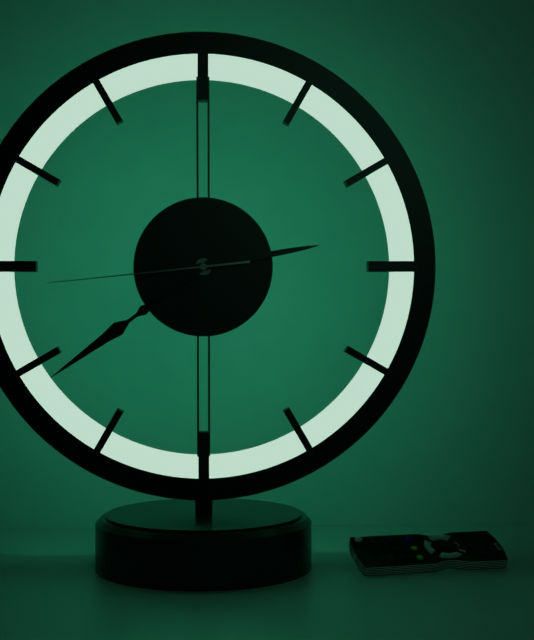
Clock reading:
**2:39:44**
